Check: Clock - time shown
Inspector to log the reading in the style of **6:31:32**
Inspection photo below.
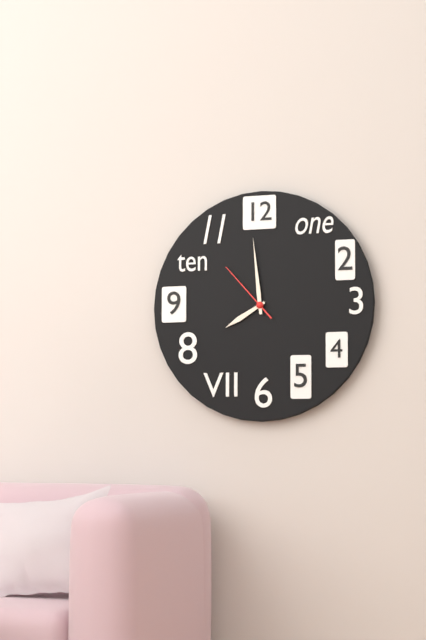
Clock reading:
**7:59:53**
